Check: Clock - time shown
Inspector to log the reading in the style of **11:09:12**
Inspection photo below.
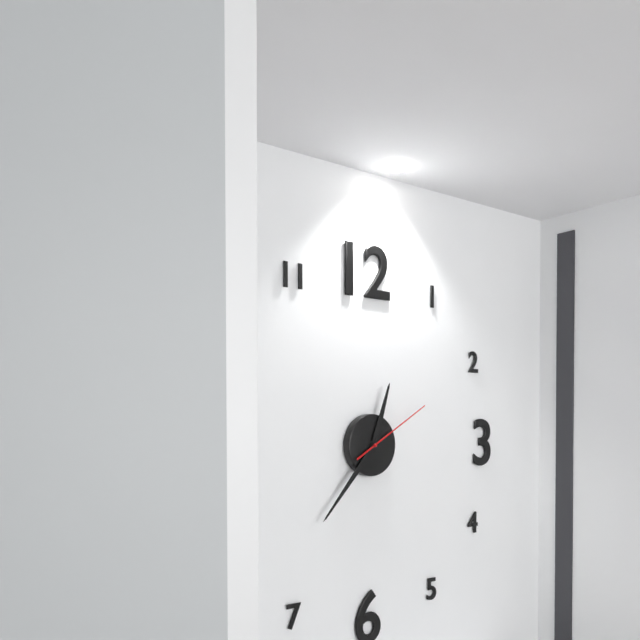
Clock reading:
**12:37:10**
